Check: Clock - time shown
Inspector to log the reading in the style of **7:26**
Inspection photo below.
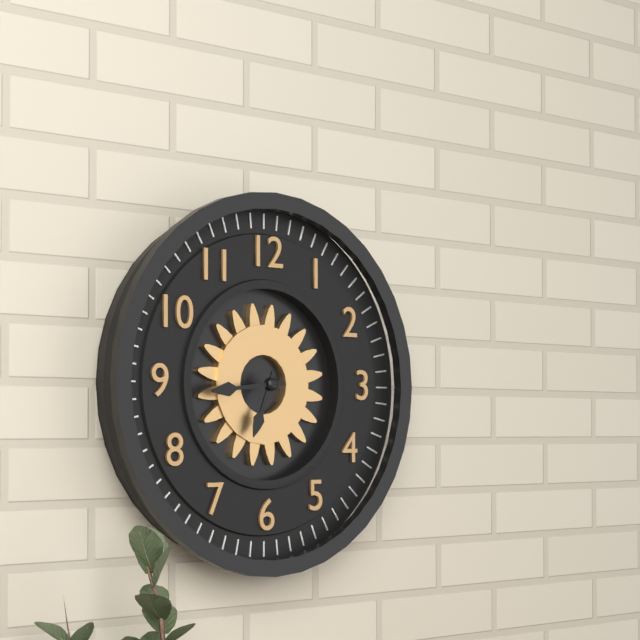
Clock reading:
**6:44**
